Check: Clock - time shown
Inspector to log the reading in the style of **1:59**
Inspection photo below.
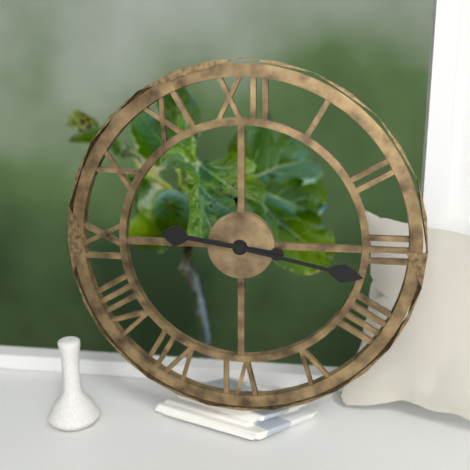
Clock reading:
**9:17**
